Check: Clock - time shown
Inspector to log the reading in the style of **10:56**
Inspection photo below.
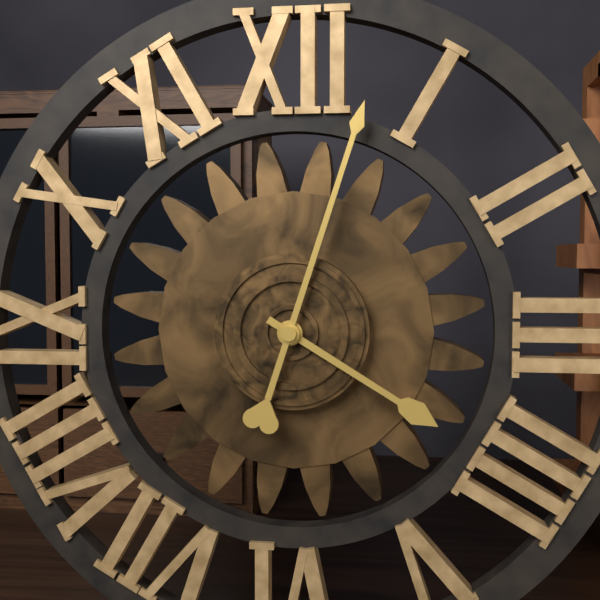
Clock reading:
**4:03**
